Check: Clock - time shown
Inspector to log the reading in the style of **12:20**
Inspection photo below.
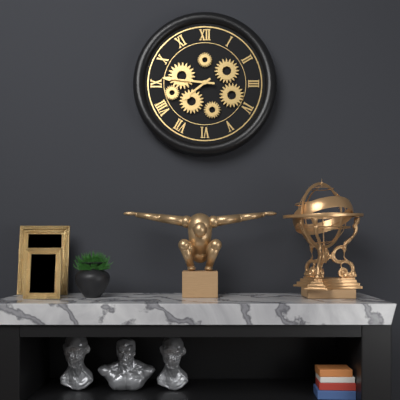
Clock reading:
**7:46**
